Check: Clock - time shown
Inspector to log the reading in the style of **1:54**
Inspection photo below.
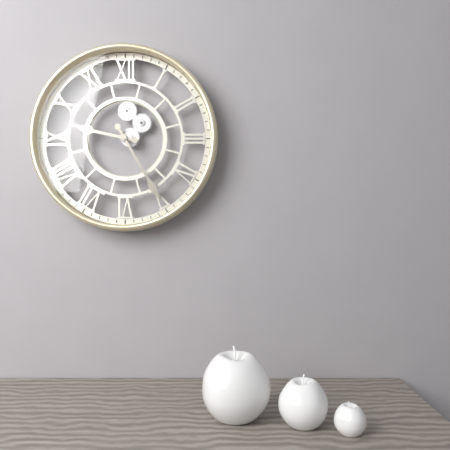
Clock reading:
**9:25**
